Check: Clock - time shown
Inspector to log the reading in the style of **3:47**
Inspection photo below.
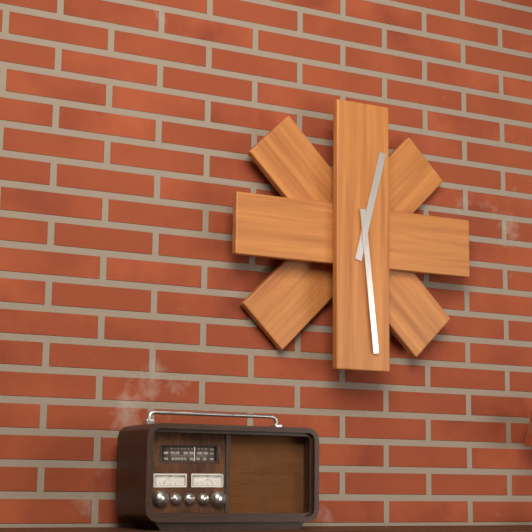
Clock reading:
**12:29**
